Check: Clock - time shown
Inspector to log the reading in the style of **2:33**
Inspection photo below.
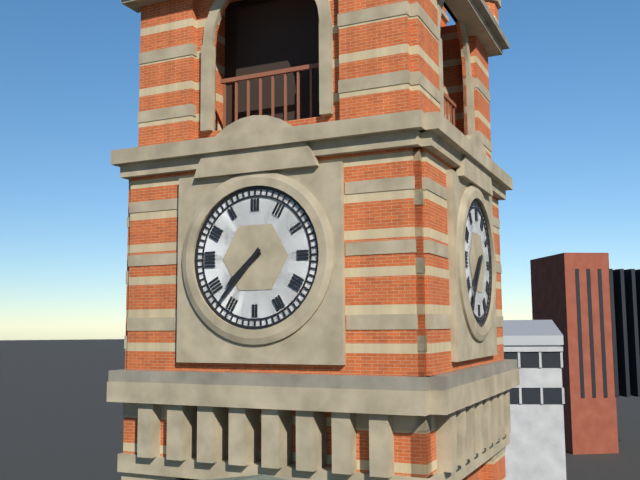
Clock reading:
**7:37**
